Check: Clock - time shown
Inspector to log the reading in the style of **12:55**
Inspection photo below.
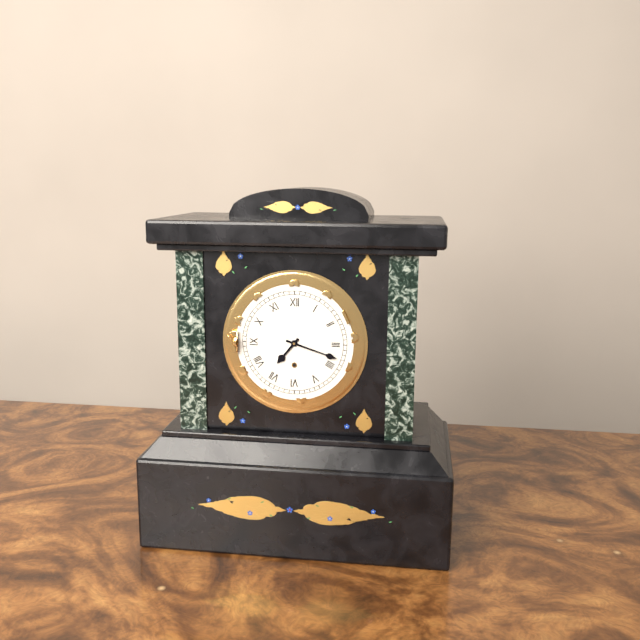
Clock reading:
**7:18**
